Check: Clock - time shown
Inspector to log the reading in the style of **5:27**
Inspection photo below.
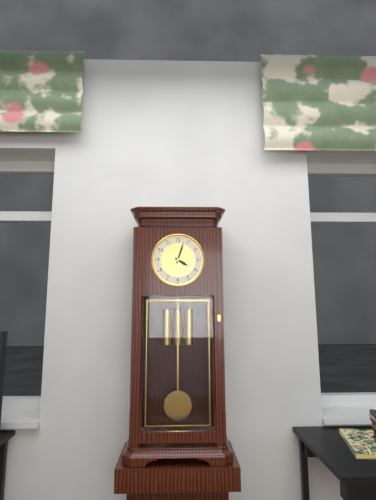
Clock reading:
**4:03**
